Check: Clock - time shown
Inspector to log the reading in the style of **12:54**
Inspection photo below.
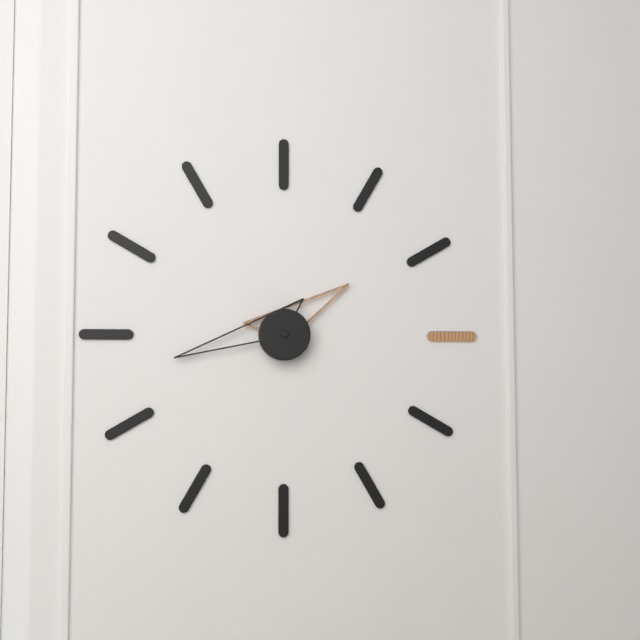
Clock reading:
**1:43**
